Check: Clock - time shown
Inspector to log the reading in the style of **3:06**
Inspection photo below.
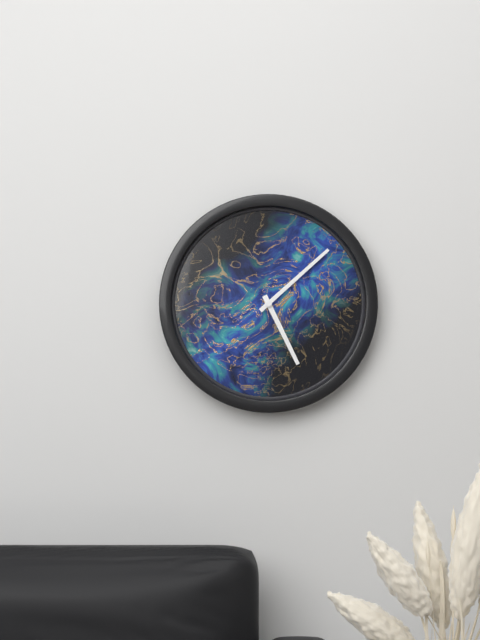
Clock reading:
**5:08**
